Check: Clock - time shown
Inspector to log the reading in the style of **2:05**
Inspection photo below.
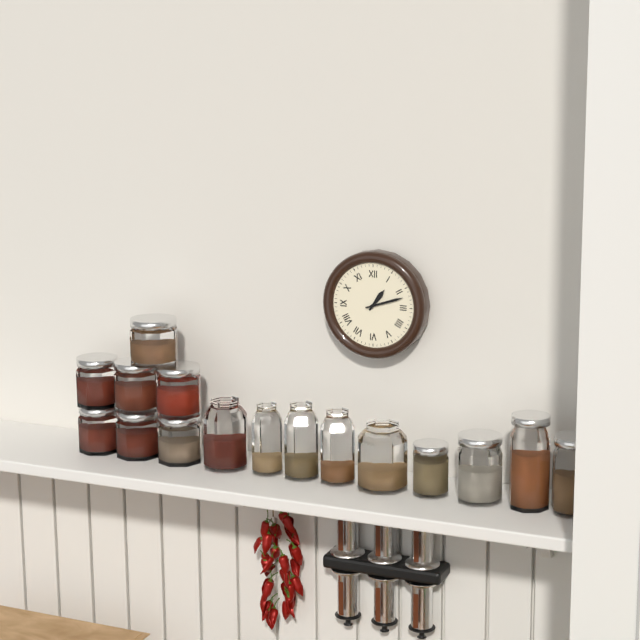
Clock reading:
**1:12**
